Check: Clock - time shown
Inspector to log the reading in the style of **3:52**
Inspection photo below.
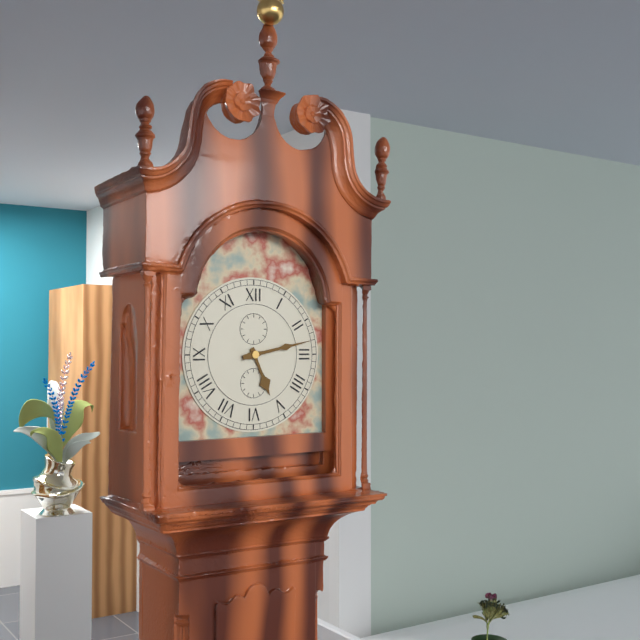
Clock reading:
**5:13**
